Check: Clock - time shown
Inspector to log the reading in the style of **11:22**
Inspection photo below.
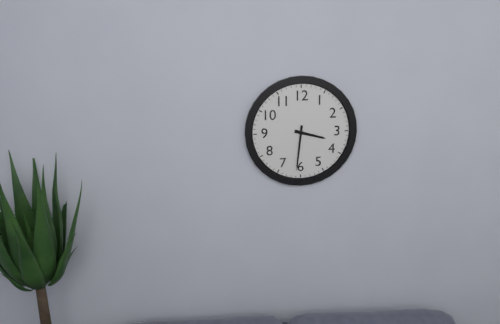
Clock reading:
**3:31**
